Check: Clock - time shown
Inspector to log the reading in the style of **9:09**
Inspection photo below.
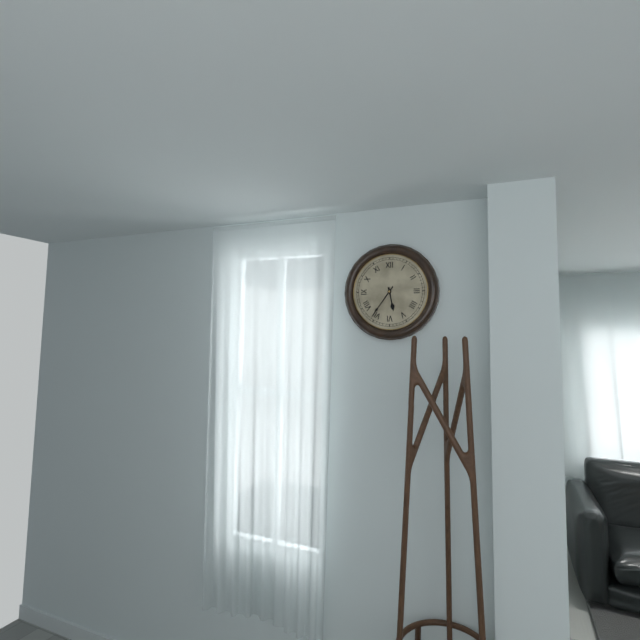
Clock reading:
**5:36**
